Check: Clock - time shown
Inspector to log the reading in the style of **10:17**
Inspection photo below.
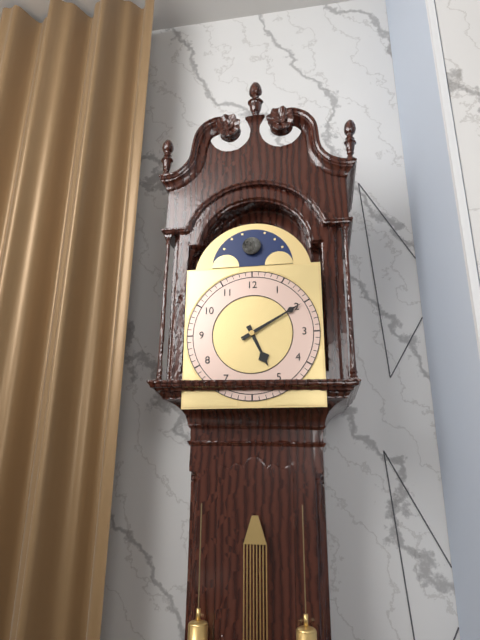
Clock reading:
**5:10**
